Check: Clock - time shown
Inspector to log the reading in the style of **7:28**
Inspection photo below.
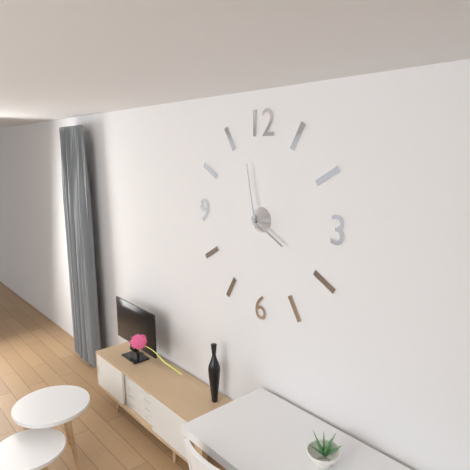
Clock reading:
**3:58**
